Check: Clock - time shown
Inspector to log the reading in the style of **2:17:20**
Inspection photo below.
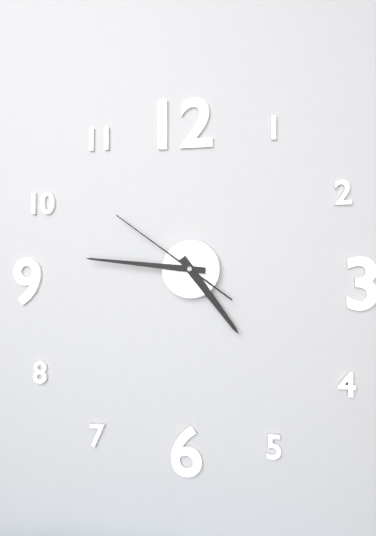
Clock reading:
**4:46:51**
